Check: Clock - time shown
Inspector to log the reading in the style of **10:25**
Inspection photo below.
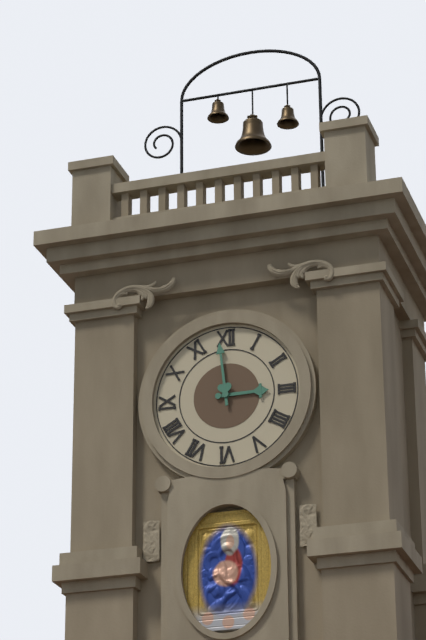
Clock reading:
**2:59**
